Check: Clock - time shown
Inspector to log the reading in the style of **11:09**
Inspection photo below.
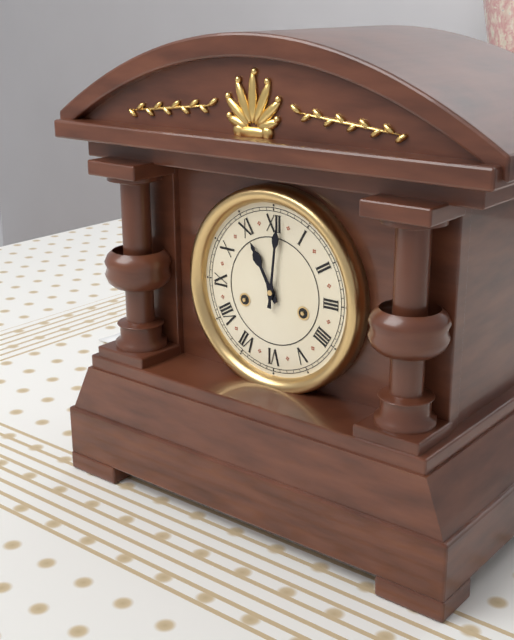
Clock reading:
**11:01**
